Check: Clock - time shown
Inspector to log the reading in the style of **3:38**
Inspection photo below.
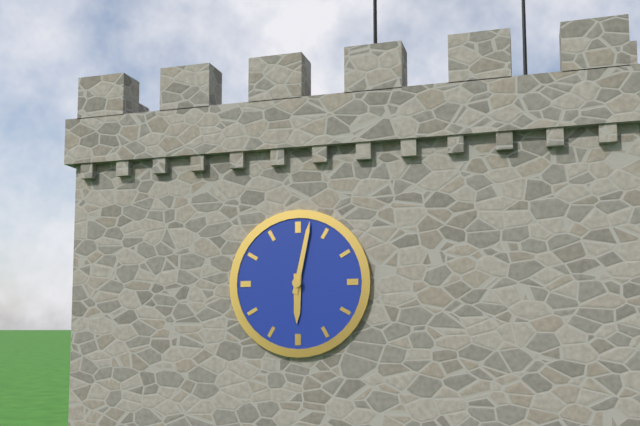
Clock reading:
**6:02**
